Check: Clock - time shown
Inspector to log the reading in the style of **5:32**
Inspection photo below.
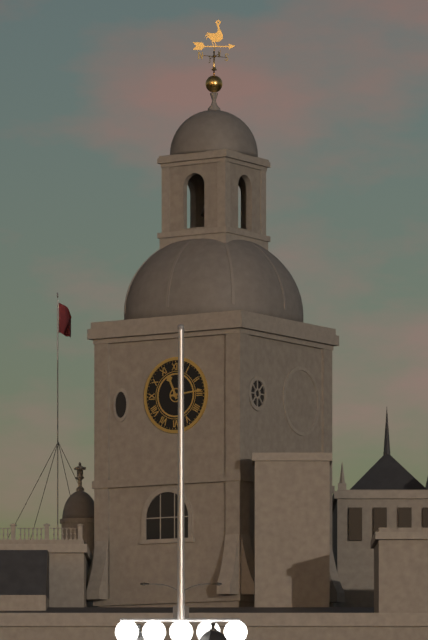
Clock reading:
**11:14**
